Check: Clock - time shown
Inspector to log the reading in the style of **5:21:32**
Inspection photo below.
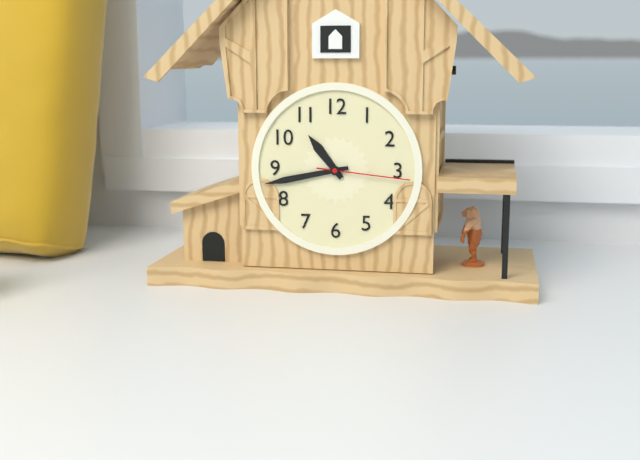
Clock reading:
**10:43:16**
